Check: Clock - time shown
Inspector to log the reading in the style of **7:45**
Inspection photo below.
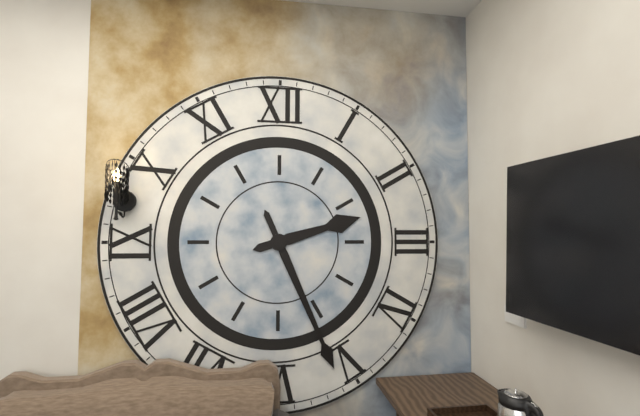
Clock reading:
**2:26**
